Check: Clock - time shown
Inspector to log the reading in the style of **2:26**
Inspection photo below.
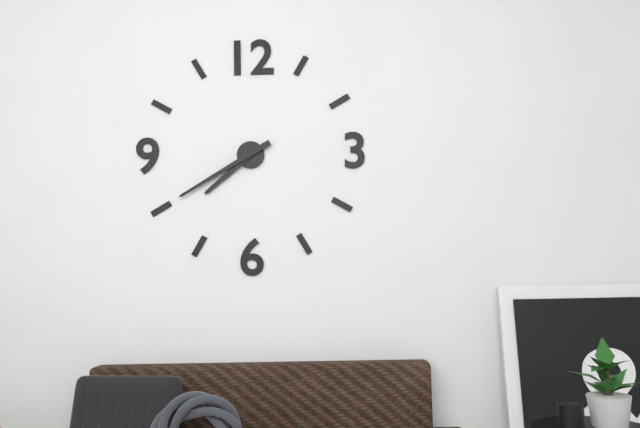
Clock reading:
**7:40**
